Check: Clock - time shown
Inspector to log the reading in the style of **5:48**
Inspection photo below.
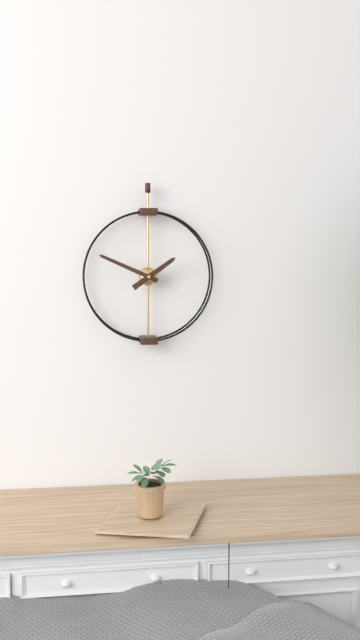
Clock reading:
**1:49**
